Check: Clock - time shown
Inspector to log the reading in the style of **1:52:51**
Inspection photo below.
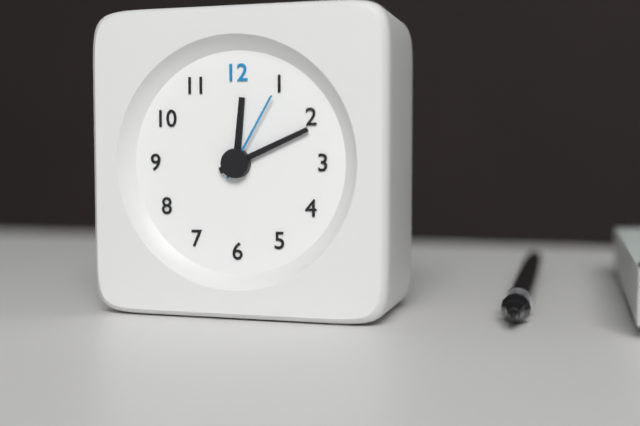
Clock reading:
**12:11:05**
